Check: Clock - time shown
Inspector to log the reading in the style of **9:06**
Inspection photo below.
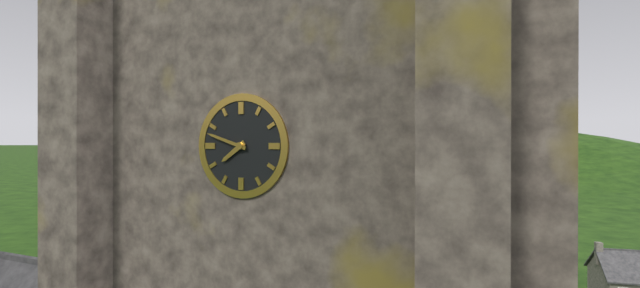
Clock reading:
**7:48**
